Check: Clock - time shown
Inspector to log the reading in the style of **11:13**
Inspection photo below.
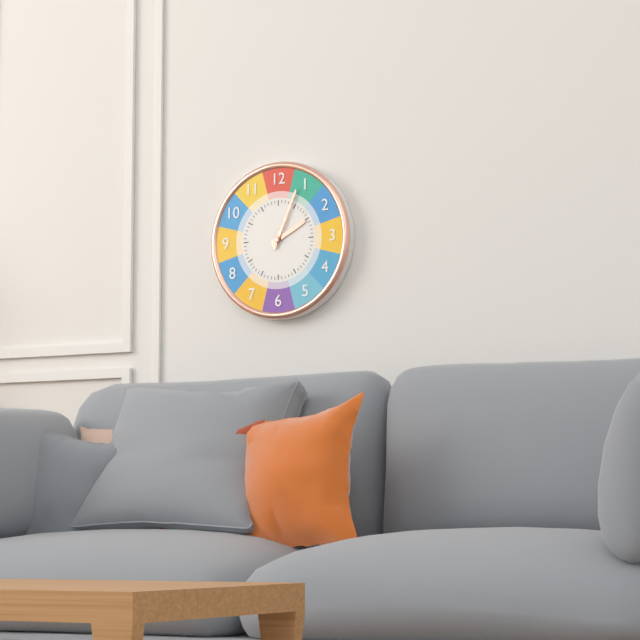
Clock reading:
**2:04**
